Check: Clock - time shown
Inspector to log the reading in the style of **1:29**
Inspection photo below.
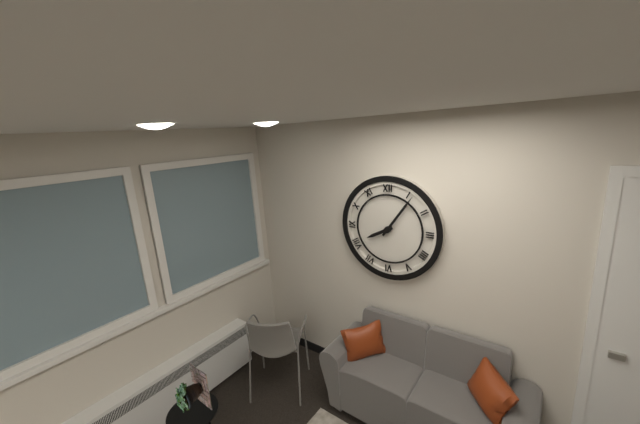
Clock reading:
**8:06**
